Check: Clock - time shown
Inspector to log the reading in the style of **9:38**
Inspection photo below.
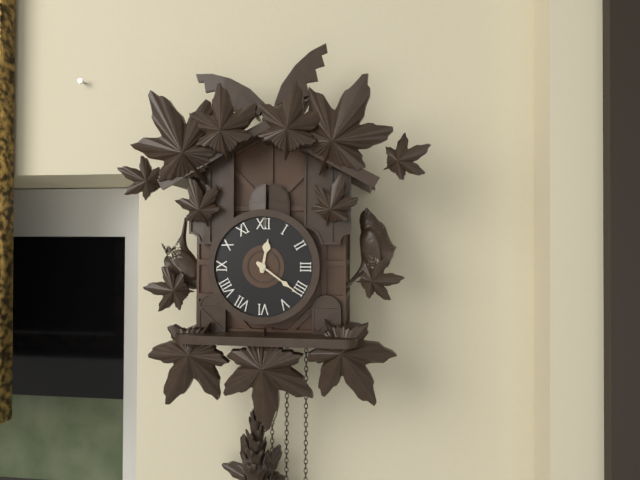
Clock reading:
**12:21**
